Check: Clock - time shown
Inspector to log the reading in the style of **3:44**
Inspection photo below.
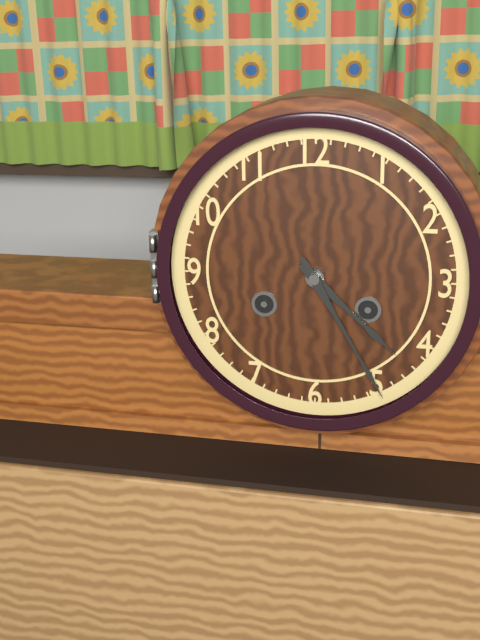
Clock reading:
**4:25**
